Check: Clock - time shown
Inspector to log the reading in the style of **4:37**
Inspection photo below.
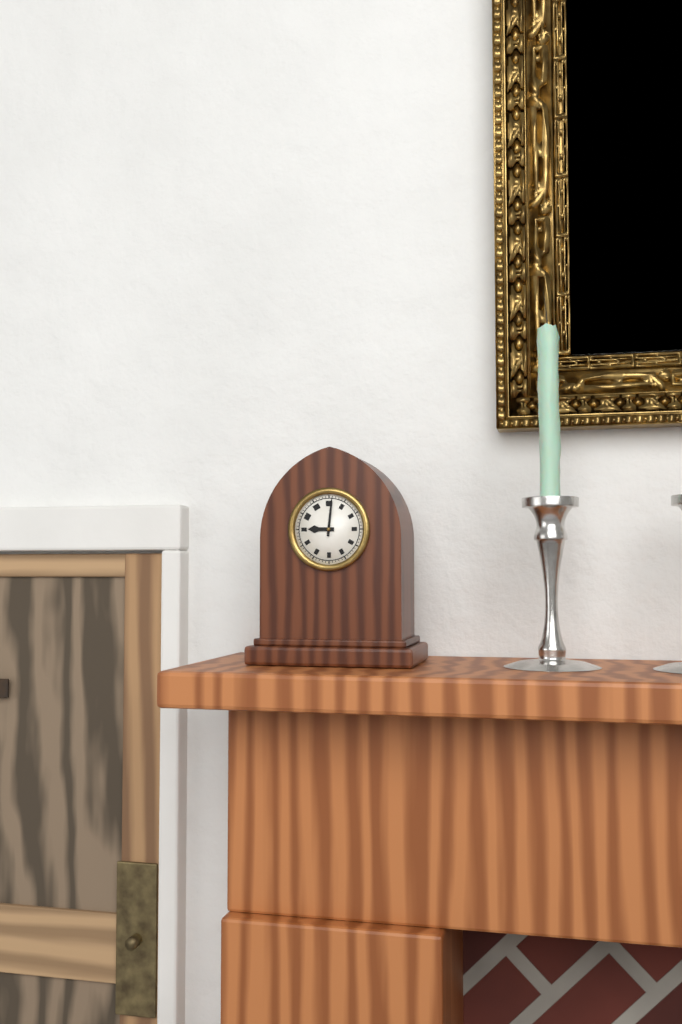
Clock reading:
**9:01**
